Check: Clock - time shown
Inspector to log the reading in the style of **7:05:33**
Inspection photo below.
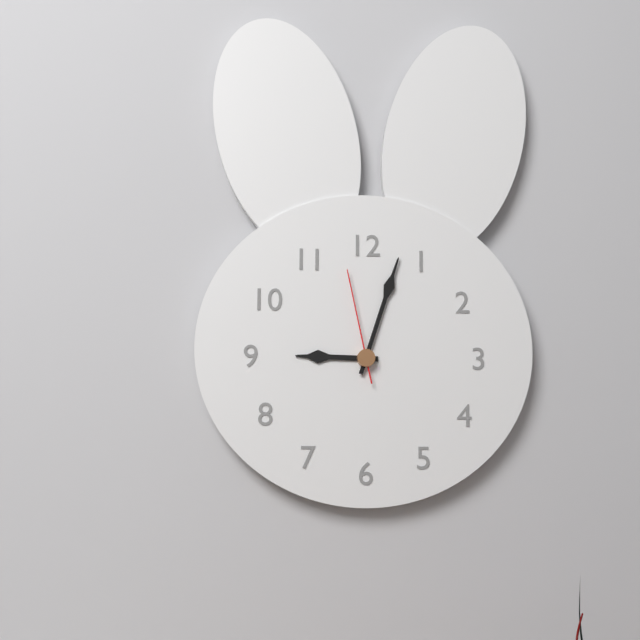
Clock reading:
**9:03:58**
